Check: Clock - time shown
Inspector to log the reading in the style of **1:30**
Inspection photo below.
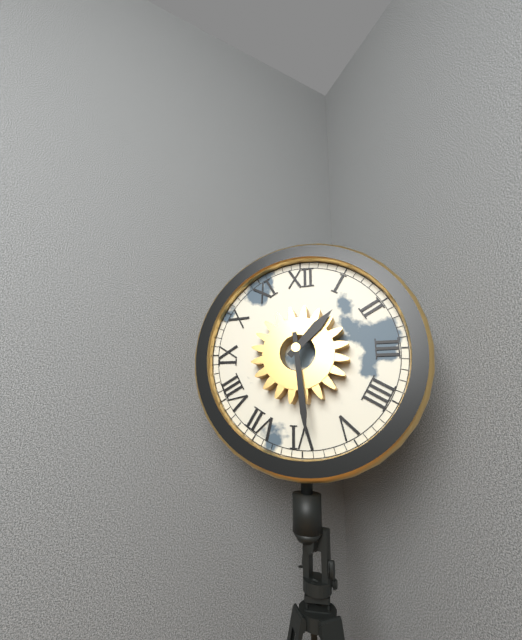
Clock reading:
**1:29**
